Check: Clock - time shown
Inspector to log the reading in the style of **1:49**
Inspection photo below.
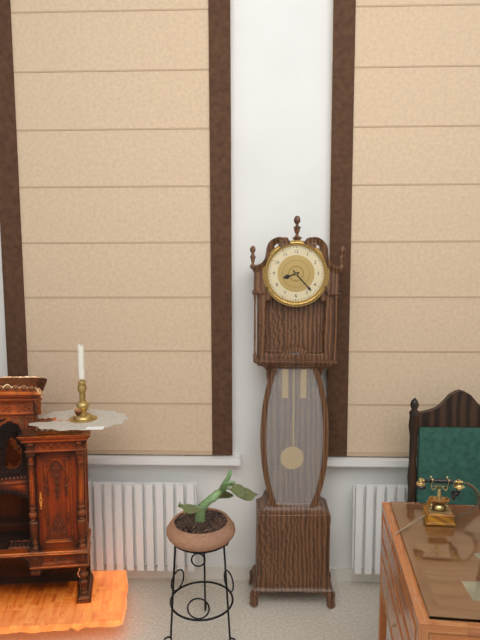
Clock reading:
**8:23**
